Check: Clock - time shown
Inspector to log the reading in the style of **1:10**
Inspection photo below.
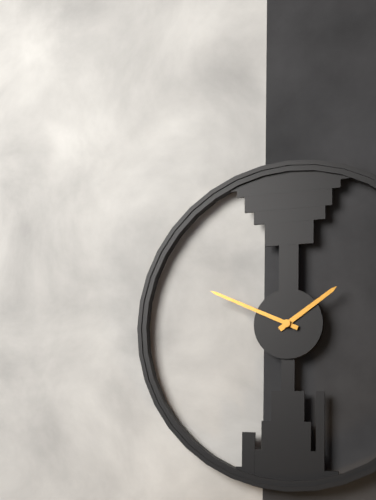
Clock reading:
**1:49**
